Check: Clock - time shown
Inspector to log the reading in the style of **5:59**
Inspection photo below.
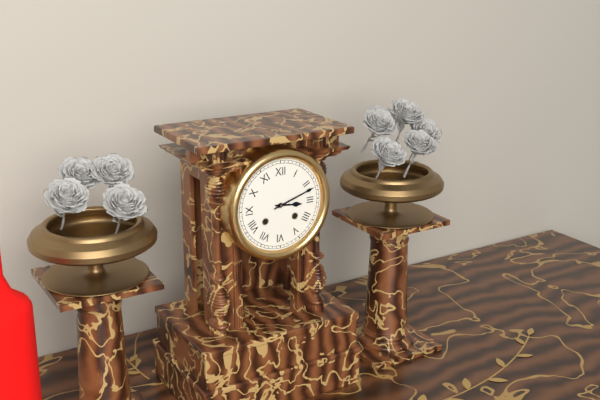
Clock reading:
**3:12**
